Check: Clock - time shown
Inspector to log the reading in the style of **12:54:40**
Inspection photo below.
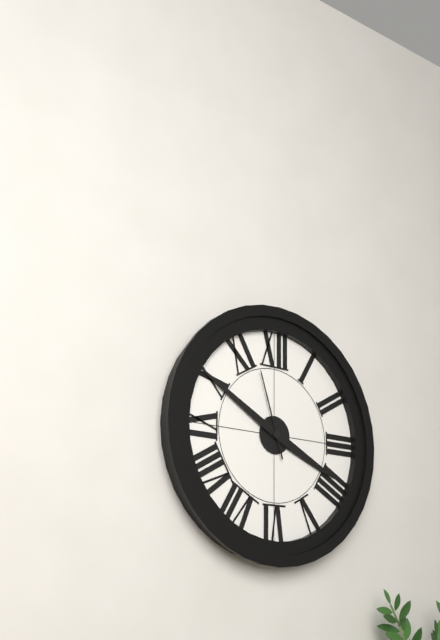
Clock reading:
**3:50:57**
